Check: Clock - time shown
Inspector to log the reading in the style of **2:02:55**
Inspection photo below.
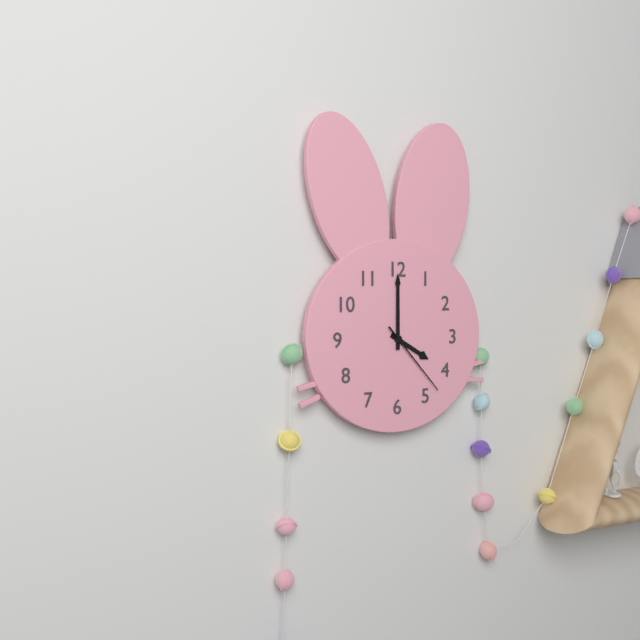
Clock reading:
**4:00:23**
